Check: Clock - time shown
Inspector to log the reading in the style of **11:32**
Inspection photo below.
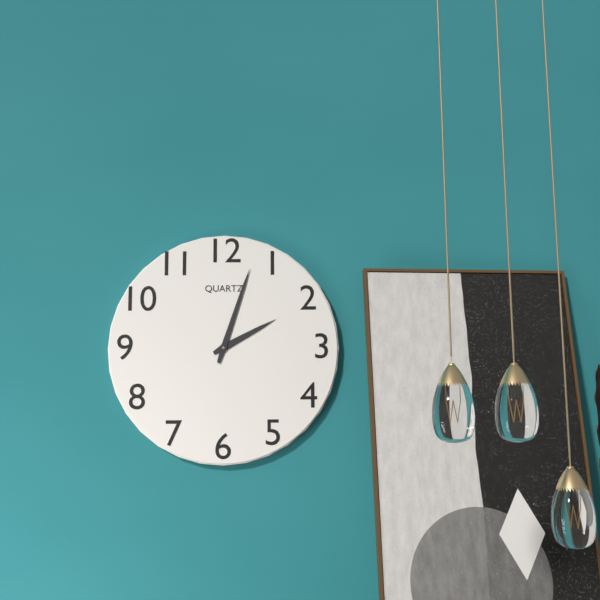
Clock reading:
**2:03**
